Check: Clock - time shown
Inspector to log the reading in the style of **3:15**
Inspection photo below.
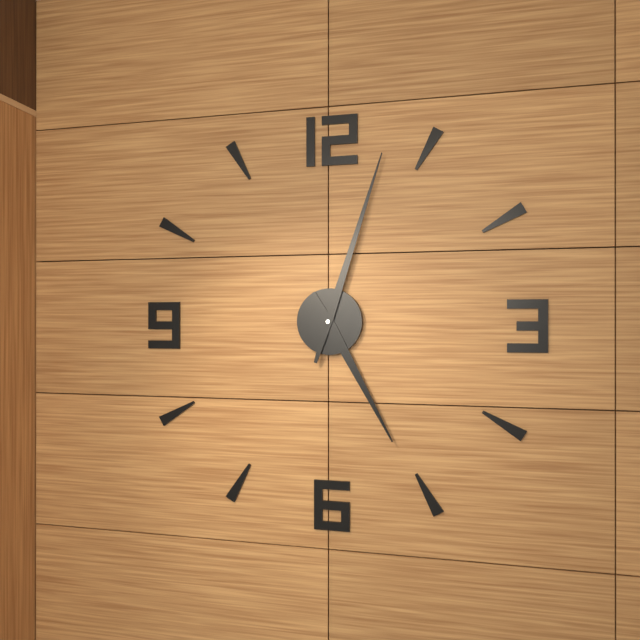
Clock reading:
**5:03**
